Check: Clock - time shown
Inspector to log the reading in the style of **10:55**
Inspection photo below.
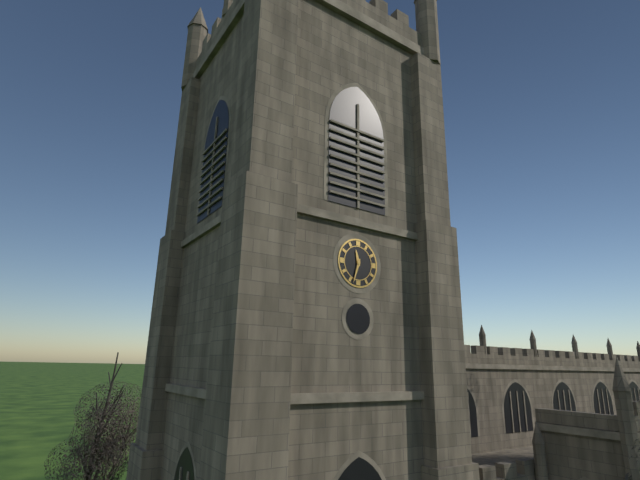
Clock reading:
**11:33**
